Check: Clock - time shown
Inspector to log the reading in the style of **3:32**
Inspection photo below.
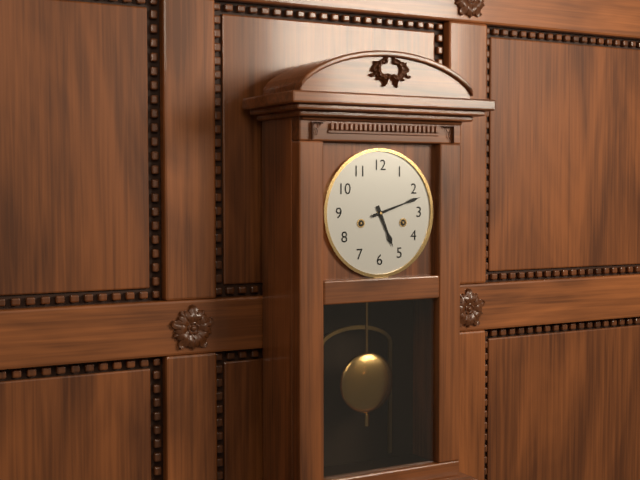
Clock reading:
**5:12**
